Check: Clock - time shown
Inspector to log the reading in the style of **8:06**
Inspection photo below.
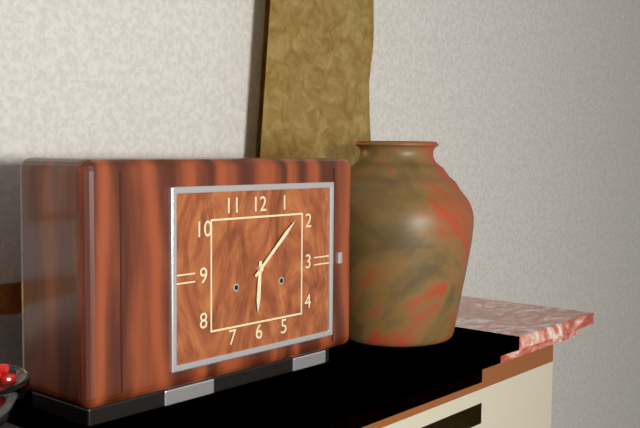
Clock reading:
**6:08**
